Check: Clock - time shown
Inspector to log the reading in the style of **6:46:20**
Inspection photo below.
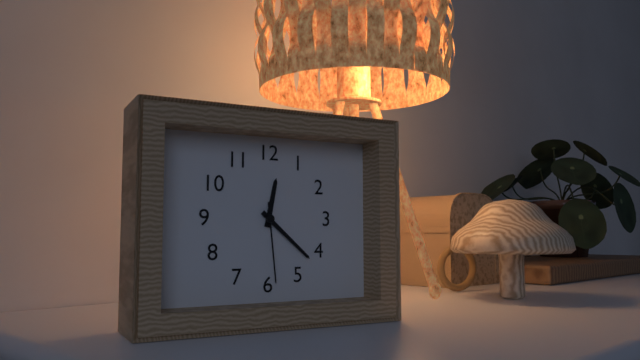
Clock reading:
**12:22:29**
